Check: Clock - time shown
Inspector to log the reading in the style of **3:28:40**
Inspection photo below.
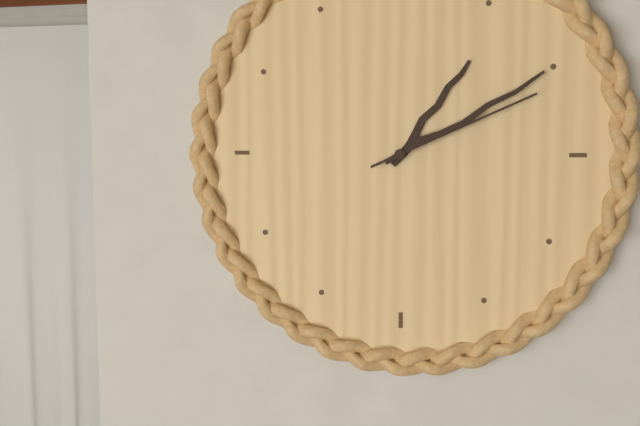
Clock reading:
**1:10:11**
